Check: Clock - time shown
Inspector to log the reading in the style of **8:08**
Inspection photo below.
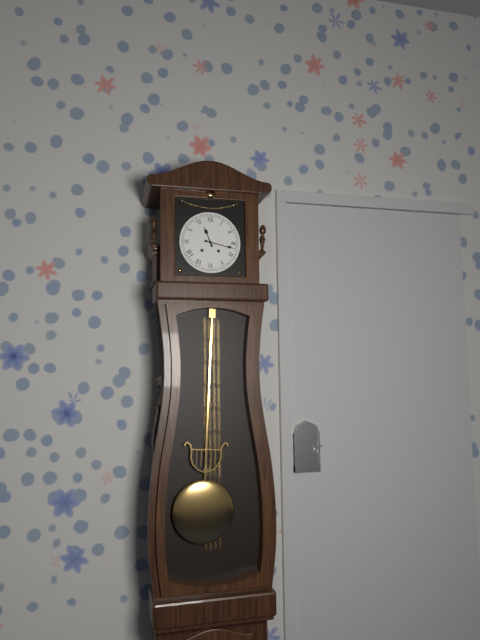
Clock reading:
**11:17**
